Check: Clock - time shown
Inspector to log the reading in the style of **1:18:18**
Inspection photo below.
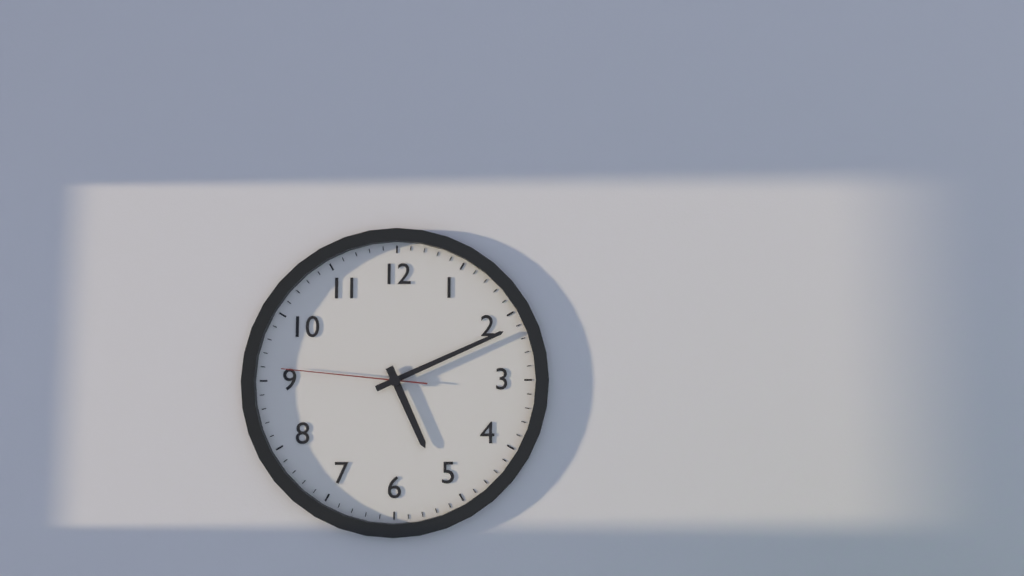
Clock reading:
**5:11:46**
